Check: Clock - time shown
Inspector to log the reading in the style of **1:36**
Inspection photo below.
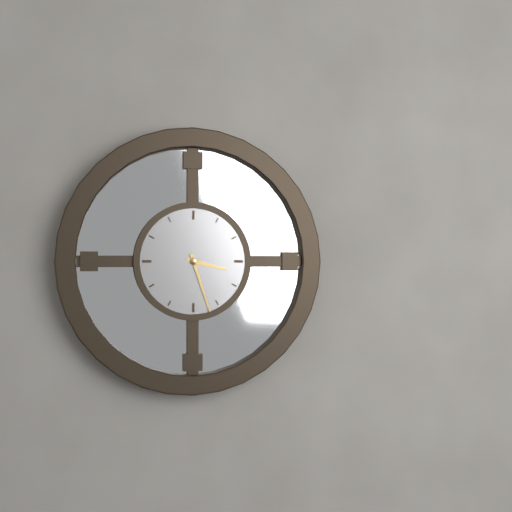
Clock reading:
**3:27**
